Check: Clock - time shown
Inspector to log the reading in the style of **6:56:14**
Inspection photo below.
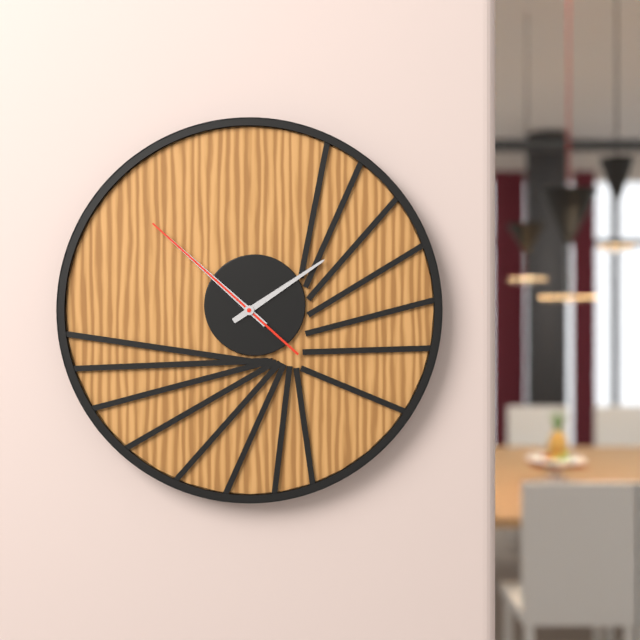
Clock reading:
**1:52:52**
